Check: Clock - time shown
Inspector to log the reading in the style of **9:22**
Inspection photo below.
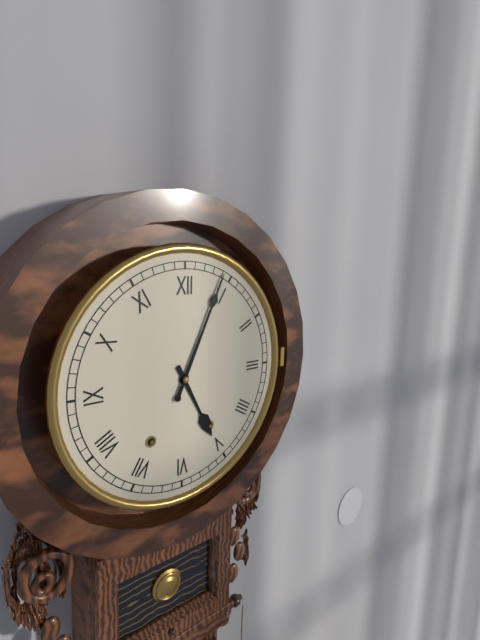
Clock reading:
**5:04**
